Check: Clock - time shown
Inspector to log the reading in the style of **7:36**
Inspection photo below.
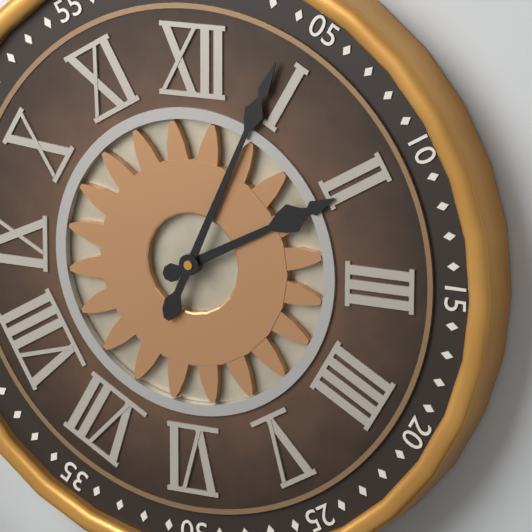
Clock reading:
**2:04**
